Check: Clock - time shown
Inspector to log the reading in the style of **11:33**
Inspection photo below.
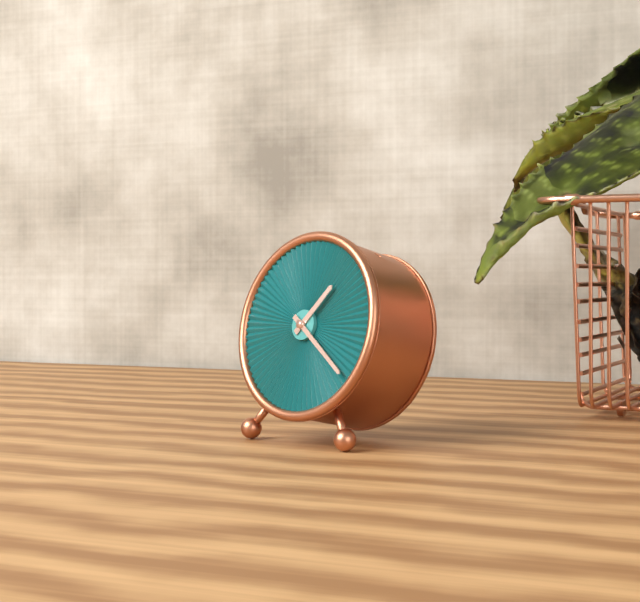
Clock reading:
**1:21**
